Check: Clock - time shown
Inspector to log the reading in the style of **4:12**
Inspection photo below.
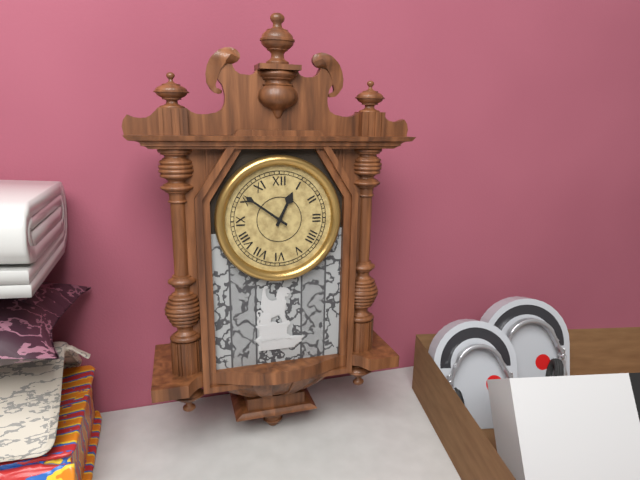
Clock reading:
**12:51**
